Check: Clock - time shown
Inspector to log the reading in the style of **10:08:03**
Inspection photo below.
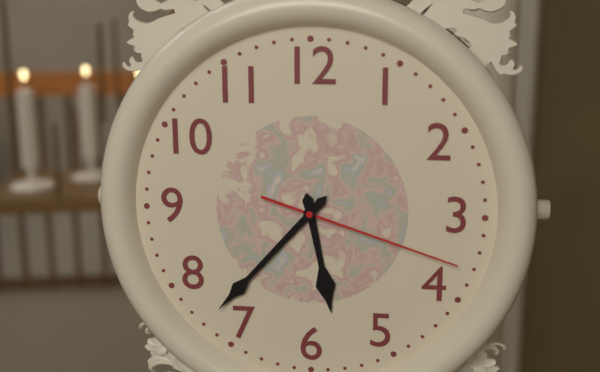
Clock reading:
**5:37:18**
